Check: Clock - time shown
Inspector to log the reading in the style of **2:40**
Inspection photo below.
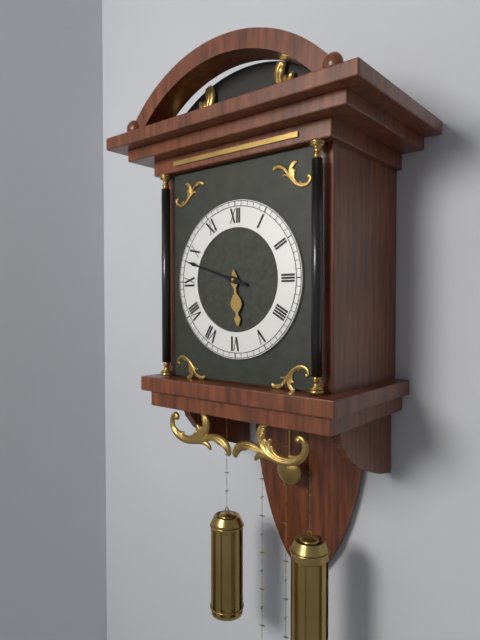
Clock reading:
**5:48**
